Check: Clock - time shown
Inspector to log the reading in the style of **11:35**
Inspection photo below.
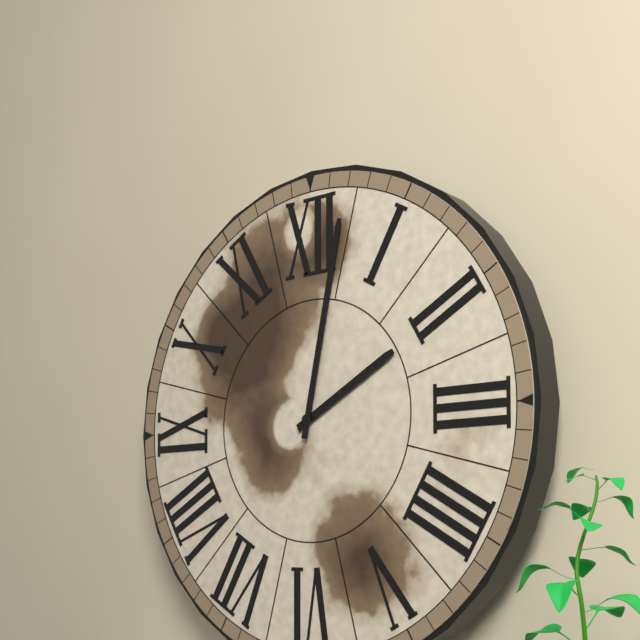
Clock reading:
**2:02**
